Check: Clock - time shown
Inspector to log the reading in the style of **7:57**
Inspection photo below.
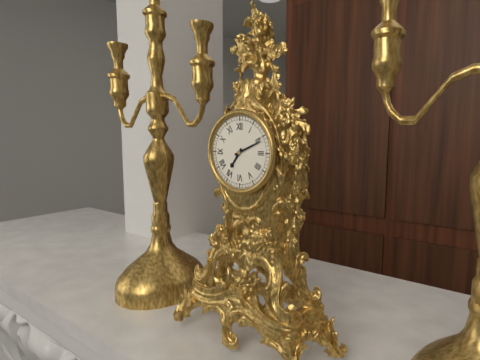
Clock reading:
**7:11**
